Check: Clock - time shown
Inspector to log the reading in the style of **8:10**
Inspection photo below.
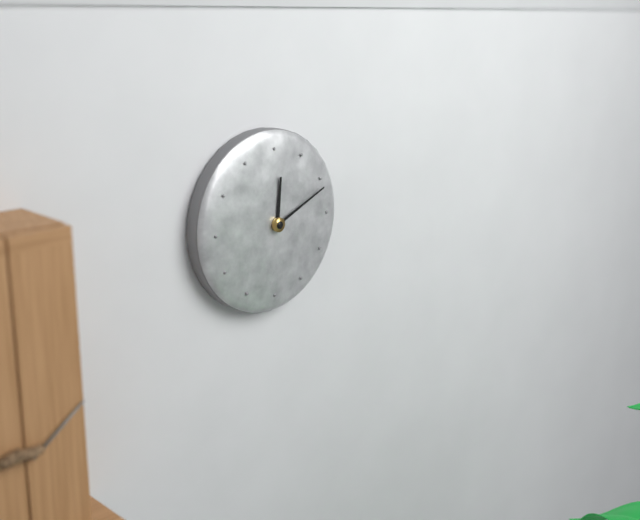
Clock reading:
**12:11**
